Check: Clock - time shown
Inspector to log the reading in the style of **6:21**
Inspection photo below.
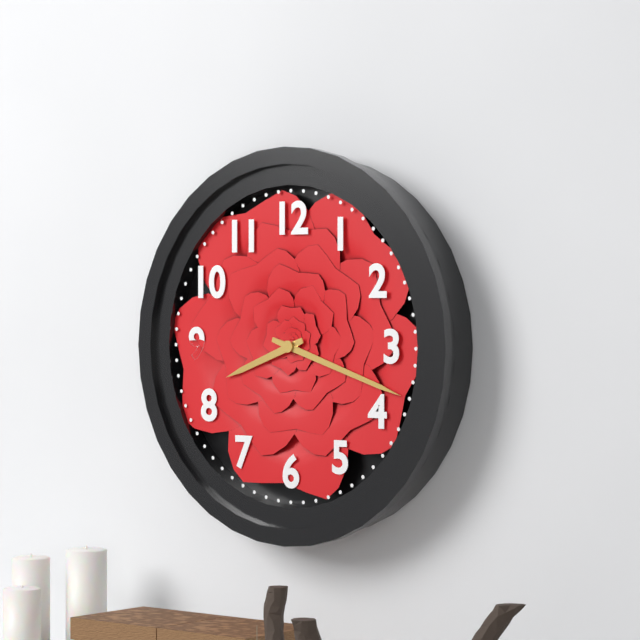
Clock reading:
**8:18**
